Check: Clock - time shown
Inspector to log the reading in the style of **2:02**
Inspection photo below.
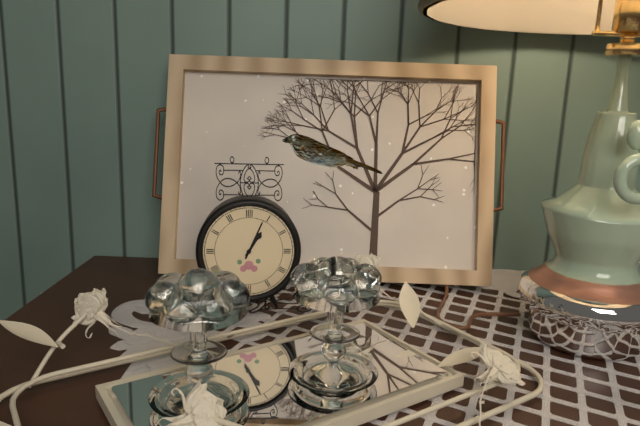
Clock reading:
**1:04**
